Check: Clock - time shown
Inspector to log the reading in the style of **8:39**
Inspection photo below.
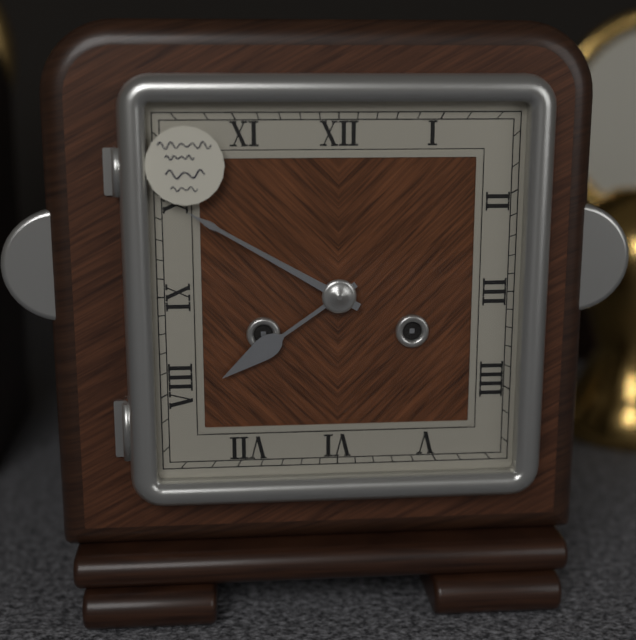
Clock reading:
**7:50**
